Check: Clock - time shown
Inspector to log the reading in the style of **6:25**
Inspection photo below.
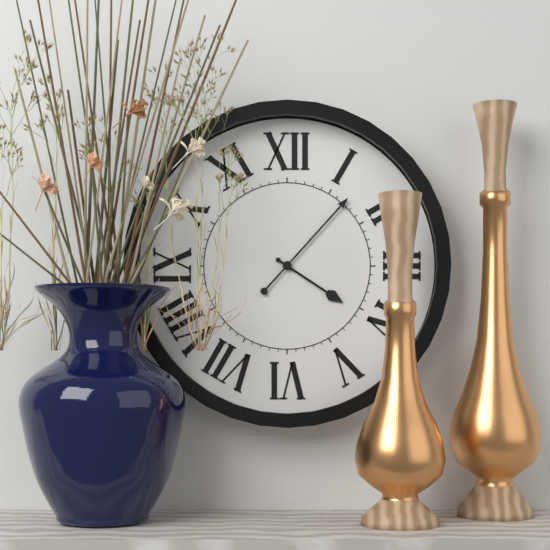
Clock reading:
**4:07**
